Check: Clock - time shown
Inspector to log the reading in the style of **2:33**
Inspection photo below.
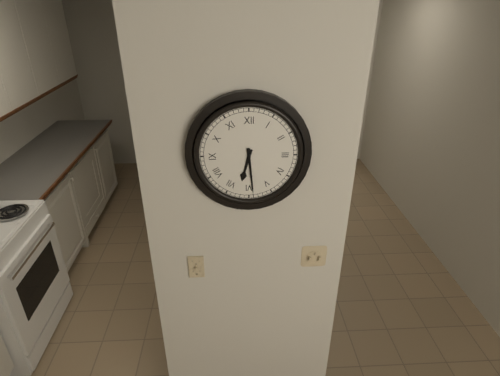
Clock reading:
**6:29**
